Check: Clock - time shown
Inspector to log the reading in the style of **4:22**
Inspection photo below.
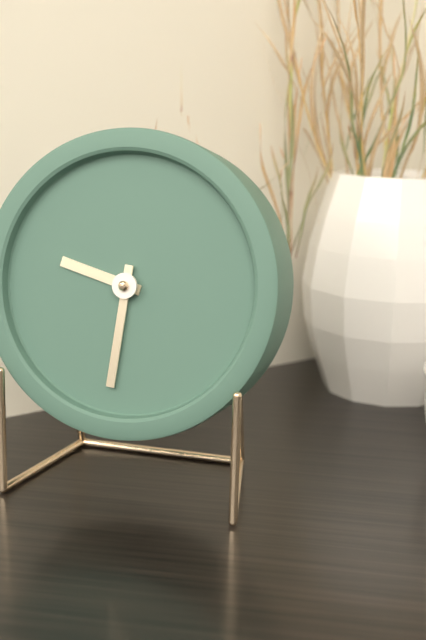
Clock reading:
**9:31**
